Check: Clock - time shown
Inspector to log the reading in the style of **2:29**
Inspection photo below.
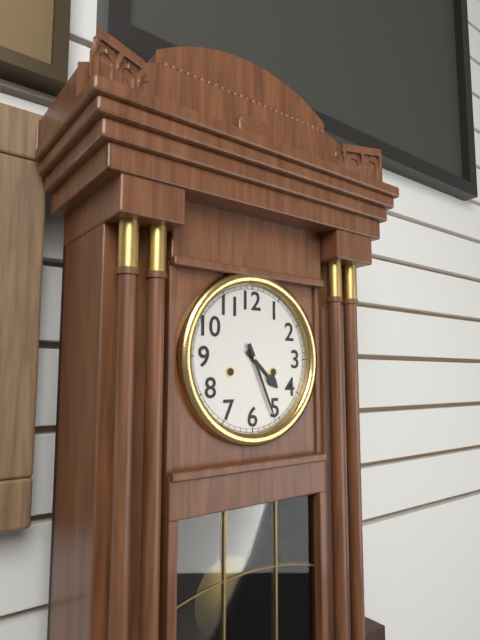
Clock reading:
**4:26**
